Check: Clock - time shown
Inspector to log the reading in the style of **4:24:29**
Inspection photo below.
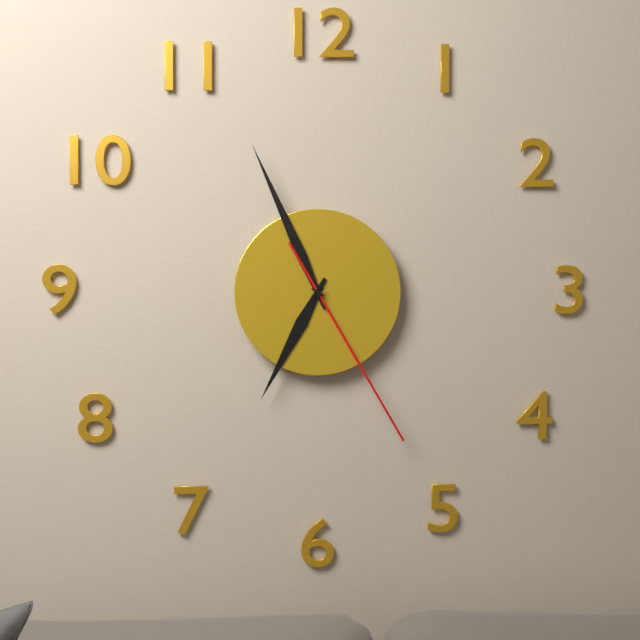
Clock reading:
**6:56:25**
